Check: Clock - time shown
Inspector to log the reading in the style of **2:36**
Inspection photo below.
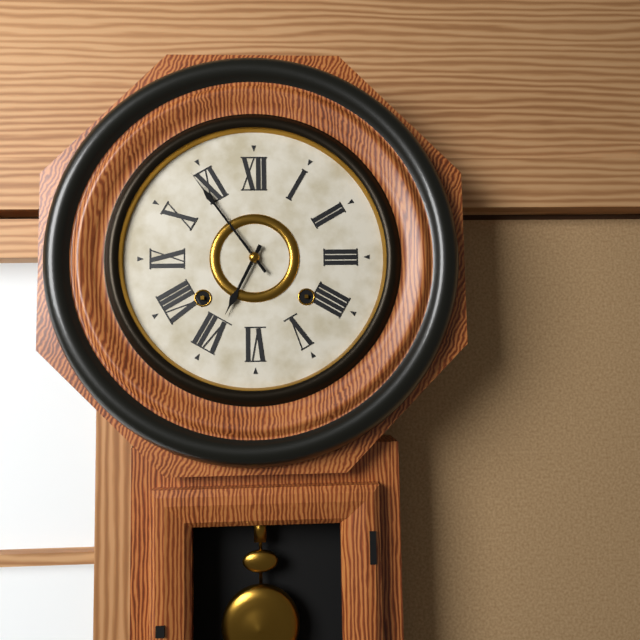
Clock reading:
**6:54**
